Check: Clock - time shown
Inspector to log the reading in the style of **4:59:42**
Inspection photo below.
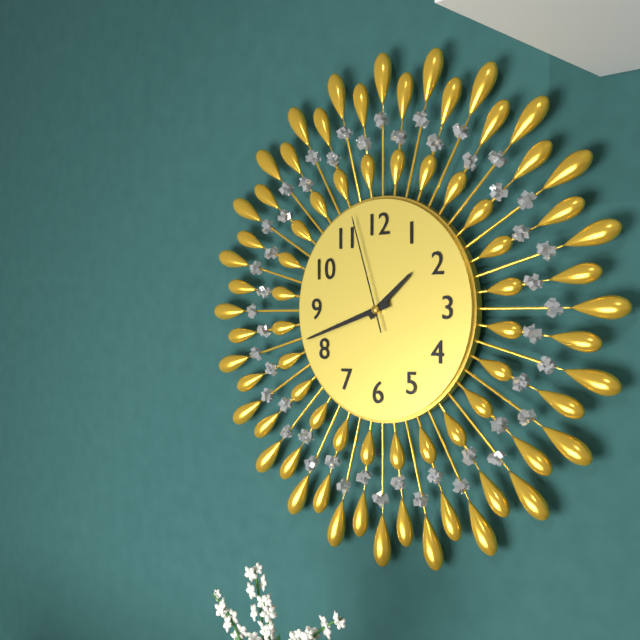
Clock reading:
**1:42:57**
